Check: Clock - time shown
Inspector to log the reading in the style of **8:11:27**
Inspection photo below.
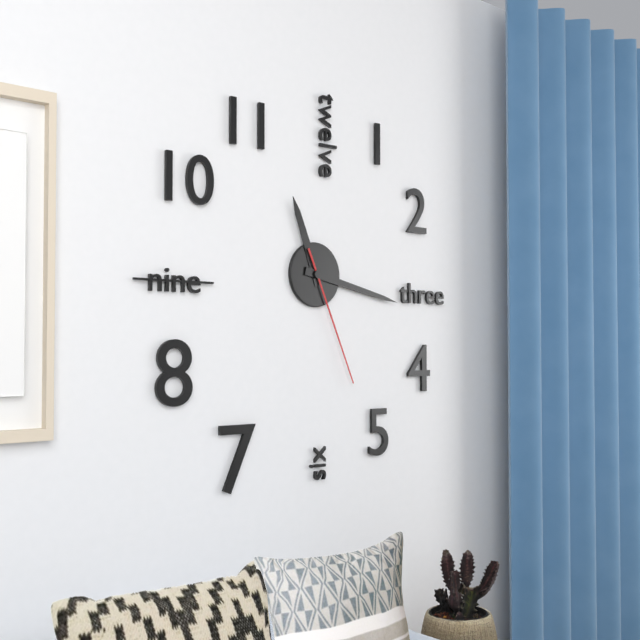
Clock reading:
**11:17:26**
